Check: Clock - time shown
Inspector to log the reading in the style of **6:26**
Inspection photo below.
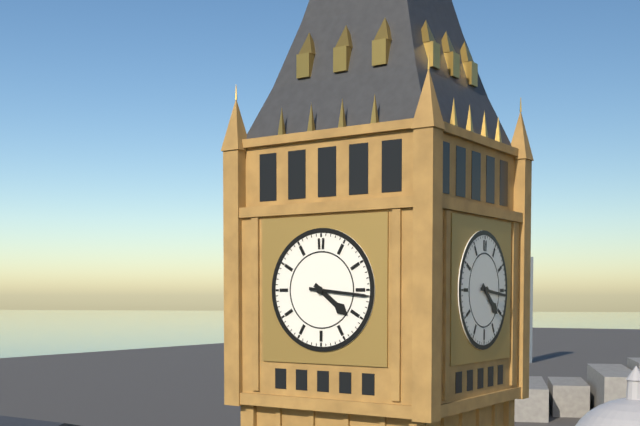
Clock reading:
**4:16**
